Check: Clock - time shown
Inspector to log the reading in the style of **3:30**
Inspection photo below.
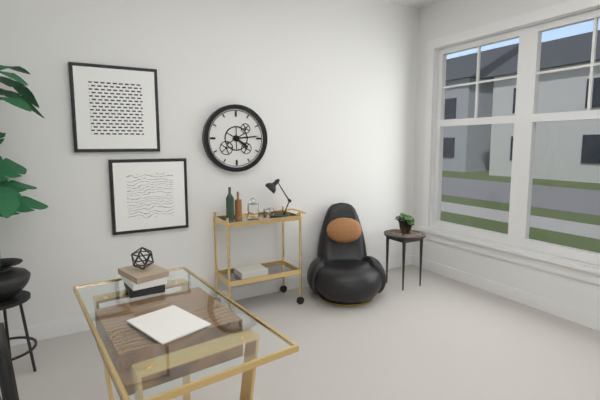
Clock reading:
**4:14**
